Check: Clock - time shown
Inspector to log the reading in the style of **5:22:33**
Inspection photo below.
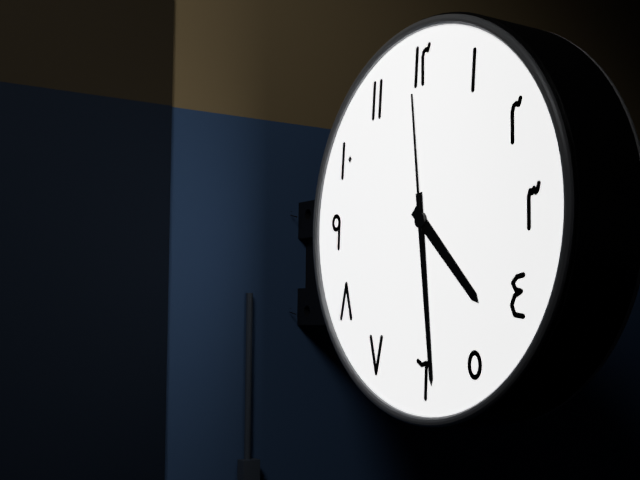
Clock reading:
**4:29:59**
